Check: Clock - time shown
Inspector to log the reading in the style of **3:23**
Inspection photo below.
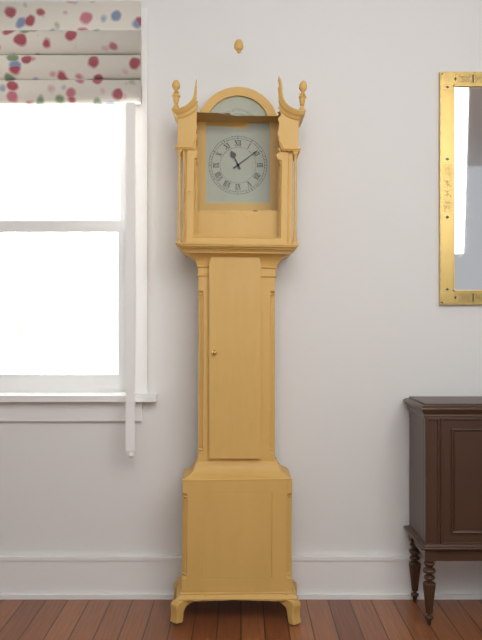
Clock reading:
**11:09**
